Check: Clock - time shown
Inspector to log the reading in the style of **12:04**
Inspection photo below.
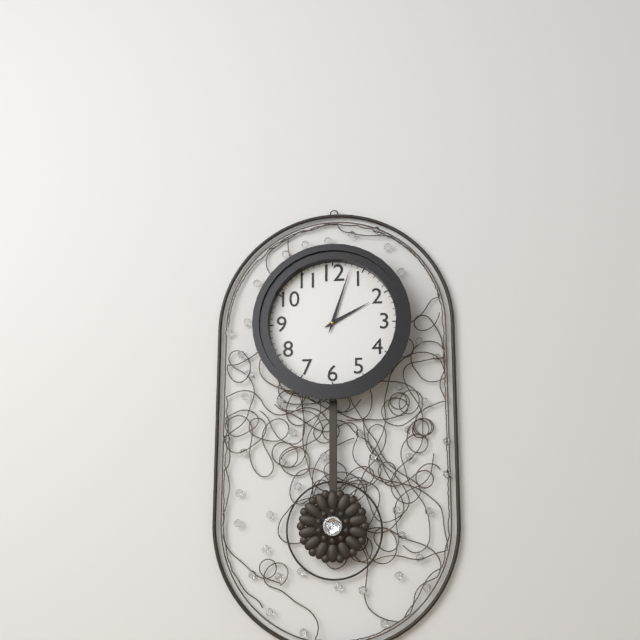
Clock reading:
**2:03**
